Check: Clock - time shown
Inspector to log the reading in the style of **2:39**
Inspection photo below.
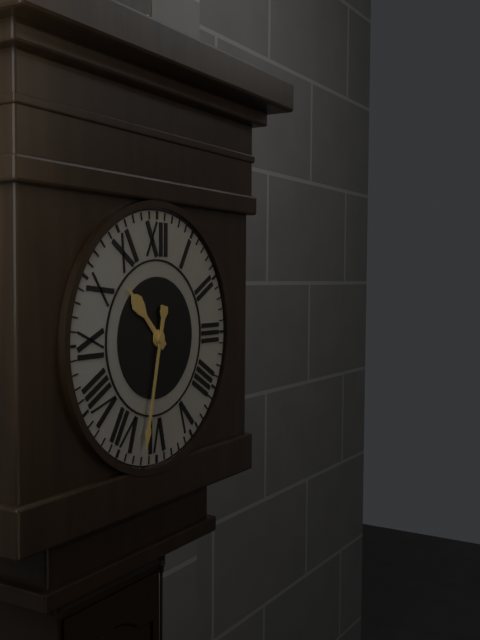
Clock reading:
**10:32**
